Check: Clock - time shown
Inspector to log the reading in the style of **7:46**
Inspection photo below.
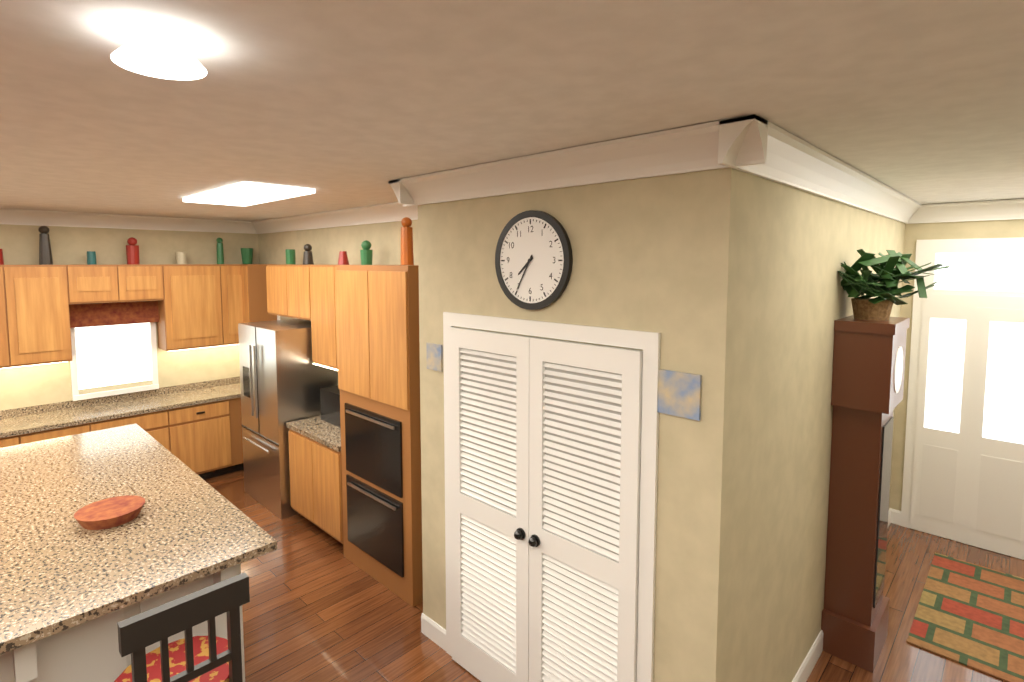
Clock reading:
**7:35**
